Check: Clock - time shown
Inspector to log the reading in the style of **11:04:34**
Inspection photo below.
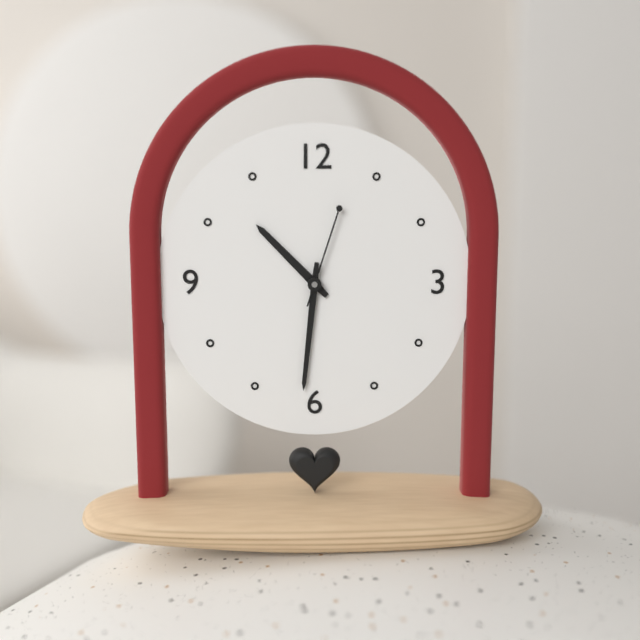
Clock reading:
**10:31:03**
